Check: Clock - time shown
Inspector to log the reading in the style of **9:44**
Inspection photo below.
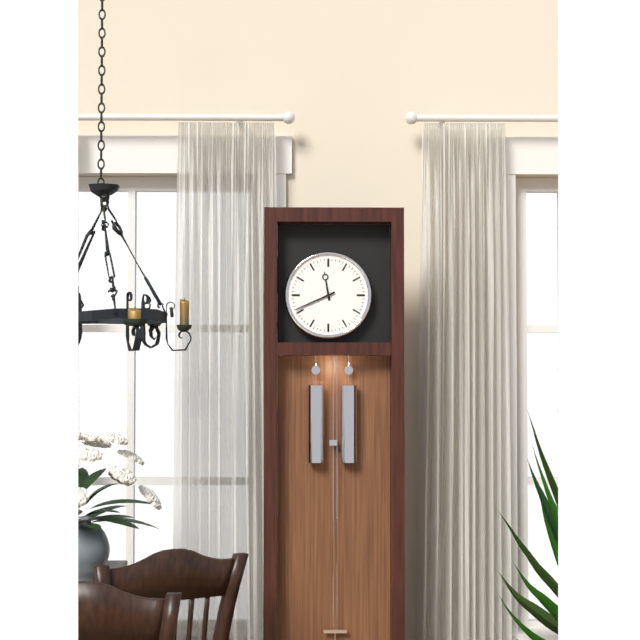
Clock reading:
**11:41**
